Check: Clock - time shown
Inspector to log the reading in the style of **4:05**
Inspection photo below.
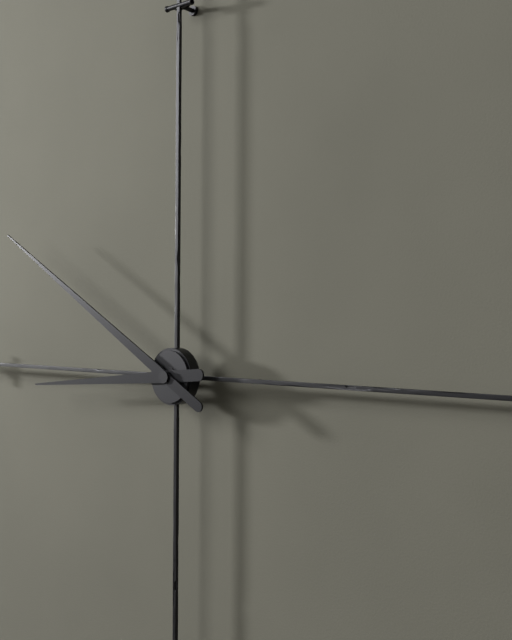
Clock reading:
**8:50**
